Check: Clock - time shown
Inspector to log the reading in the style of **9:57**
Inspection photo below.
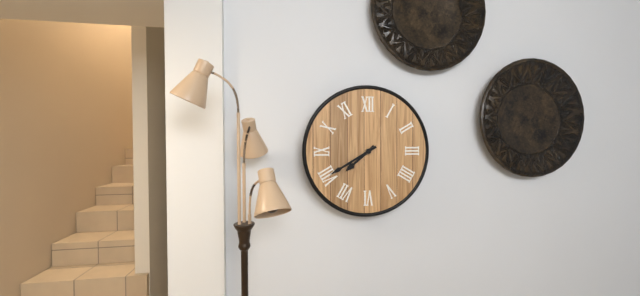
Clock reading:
**7:40**
